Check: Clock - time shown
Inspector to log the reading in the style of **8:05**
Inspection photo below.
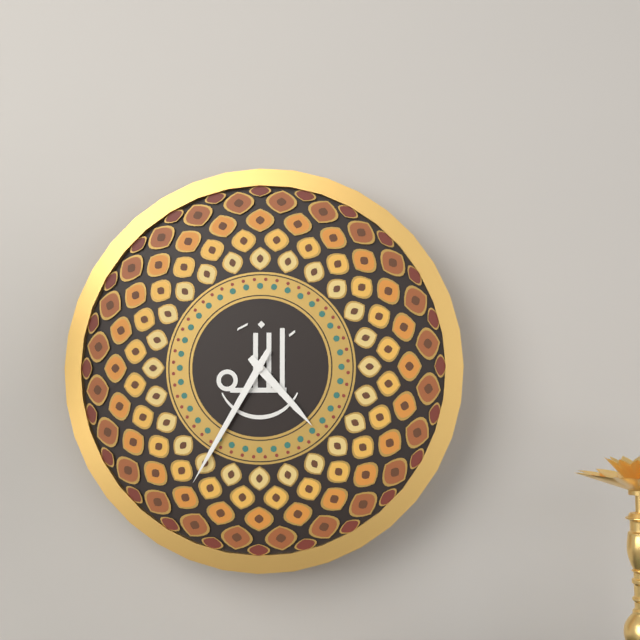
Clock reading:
**4:35**
